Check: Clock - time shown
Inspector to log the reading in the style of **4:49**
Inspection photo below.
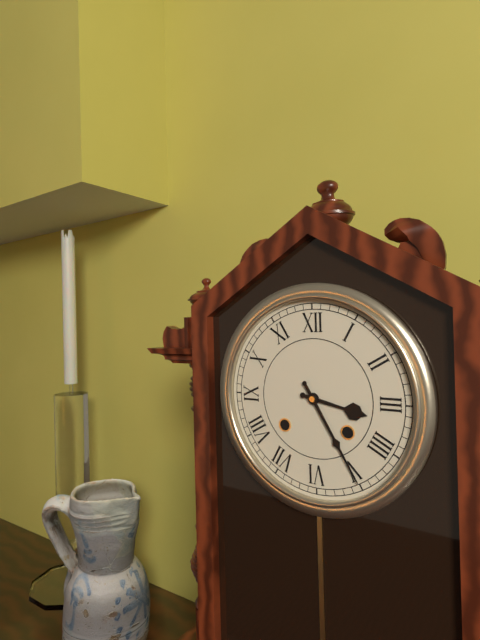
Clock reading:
**3:25**
